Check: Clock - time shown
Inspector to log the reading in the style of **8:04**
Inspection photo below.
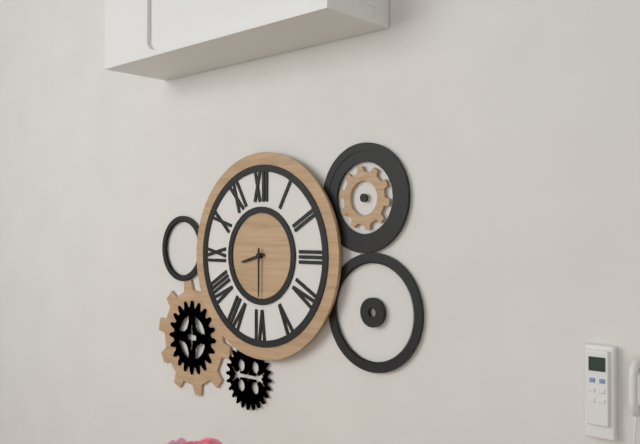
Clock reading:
**8:30**
